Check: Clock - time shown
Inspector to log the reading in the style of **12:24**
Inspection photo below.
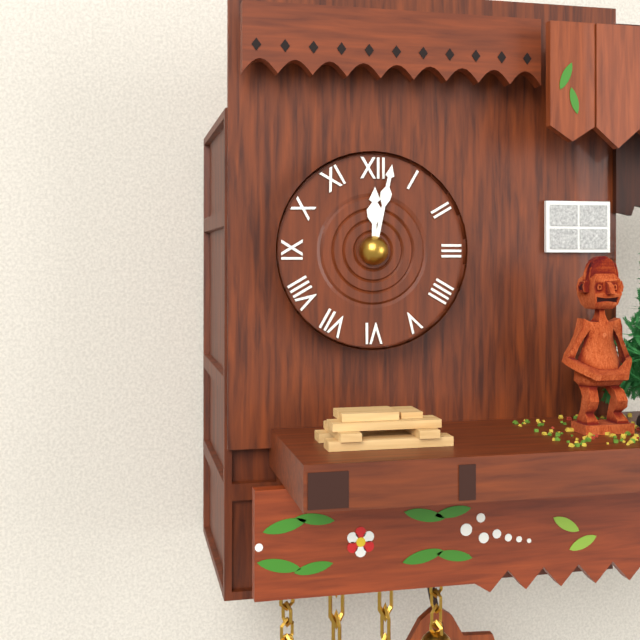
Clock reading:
**12:02**
